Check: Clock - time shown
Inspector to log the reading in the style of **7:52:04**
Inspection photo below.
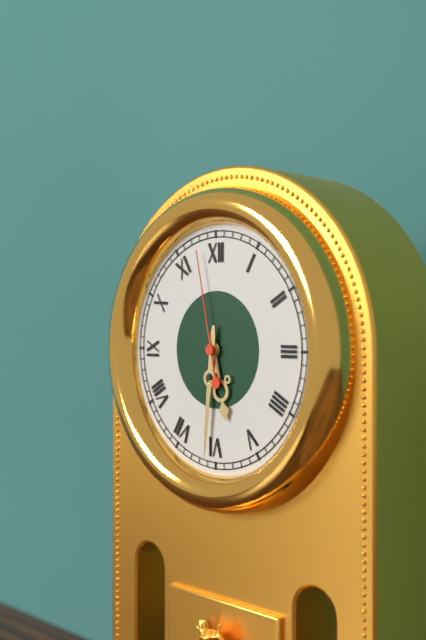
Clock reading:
**5:31:58**
